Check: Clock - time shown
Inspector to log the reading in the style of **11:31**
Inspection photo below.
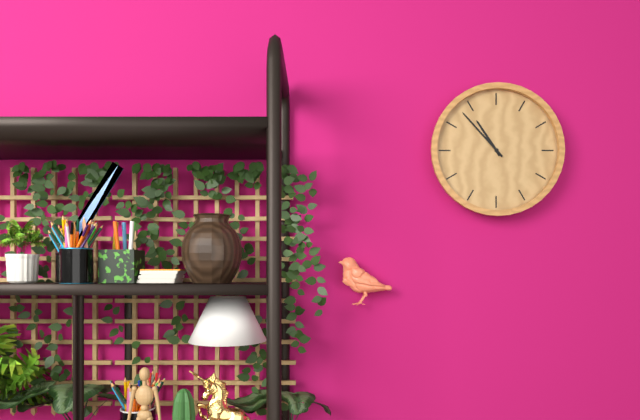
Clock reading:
**10:53**
